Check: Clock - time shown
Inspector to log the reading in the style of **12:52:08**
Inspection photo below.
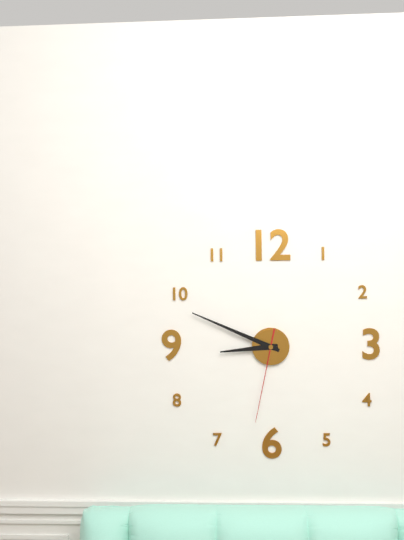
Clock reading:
**8:49:32**
